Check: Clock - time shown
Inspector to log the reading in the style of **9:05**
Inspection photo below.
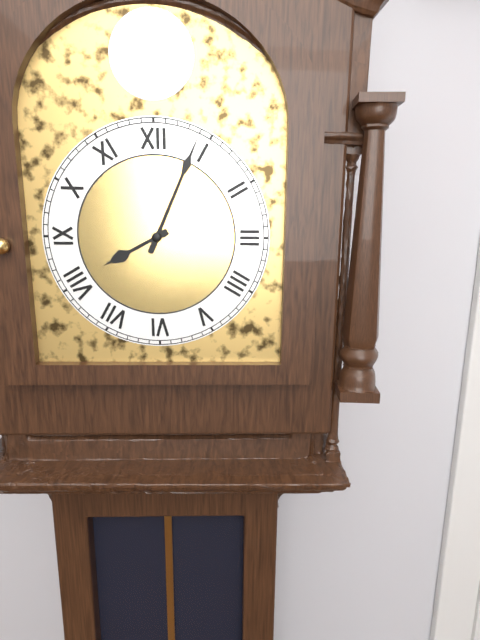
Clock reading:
**8:04**
